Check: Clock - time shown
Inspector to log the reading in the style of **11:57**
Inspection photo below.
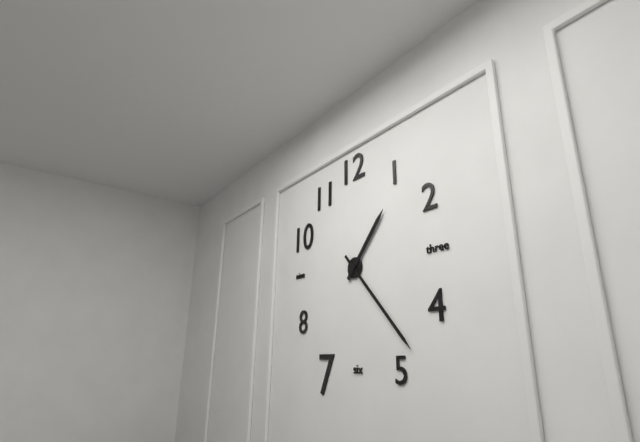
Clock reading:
**1:23**
